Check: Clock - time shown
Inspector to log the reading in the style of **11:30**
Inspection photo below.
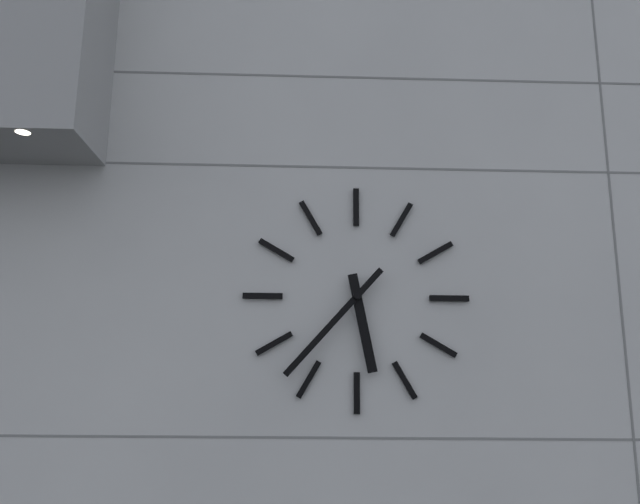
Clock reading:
**5:37**
